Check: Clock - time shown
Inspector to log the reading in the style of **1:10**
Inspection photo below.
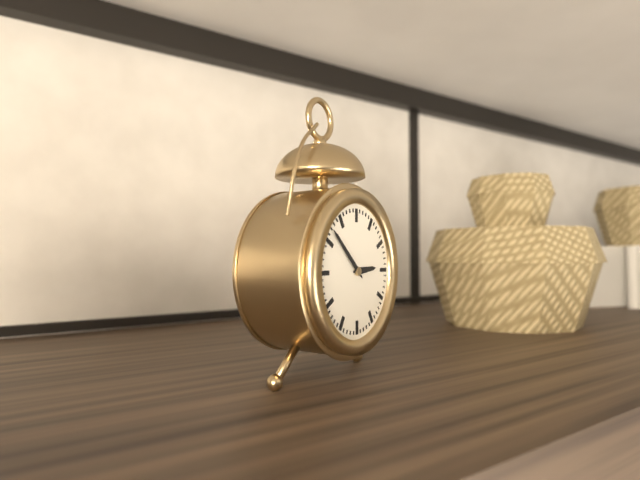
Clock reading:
**2:52**
